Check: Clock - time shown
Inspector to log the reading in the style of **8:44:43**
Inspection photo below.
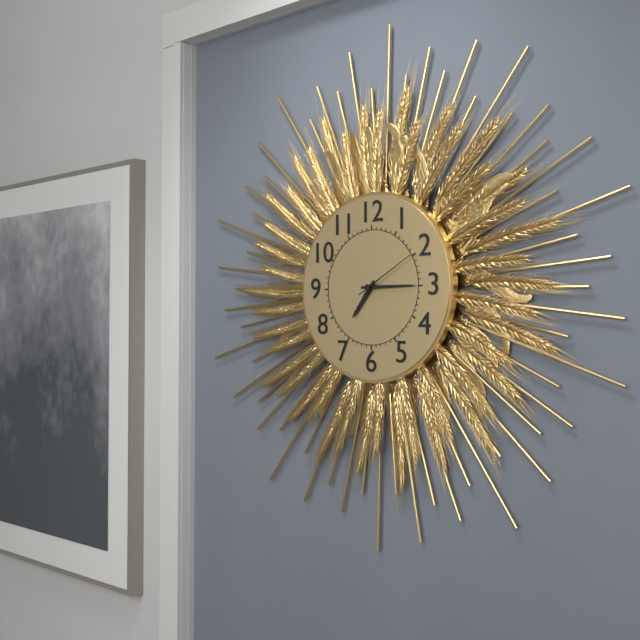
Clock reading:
**7:15:10**
